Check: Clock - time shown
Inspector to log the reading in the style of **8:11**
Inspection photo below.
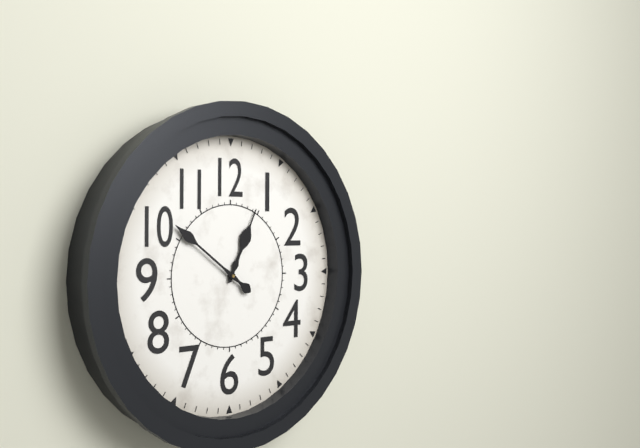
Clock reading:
**12:51**
